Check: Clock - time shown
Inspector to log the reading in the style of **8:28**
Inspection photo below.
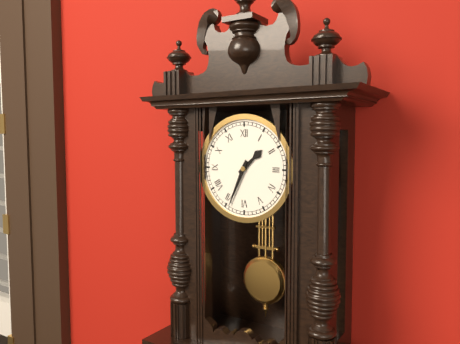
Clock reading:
**1:34**
